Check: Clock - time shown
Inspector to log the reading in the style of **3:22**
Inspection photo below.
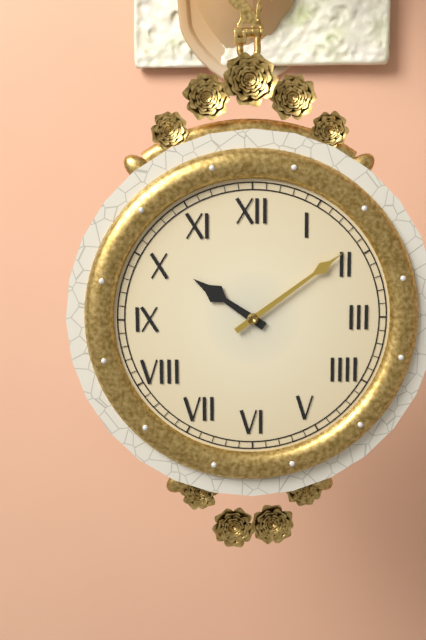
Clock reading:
**10:09**
